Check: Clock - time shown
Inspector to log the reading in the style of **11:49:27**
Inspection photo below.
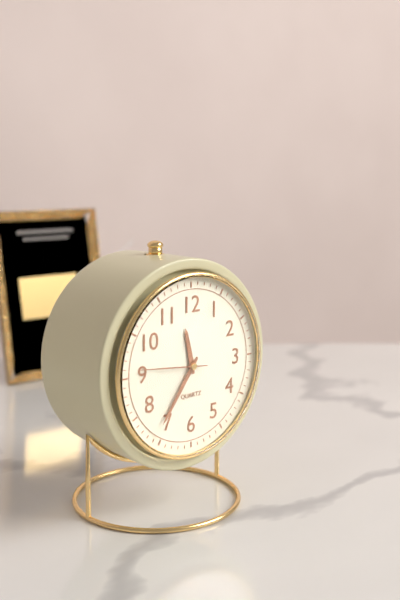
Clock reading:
**11:36:46**
